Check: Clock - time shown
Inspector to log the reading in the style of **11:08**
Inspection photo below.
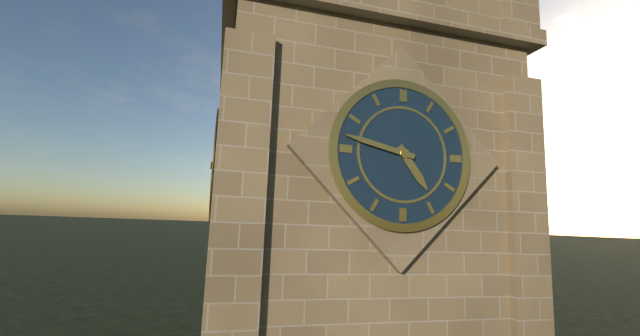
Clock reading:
**4:47**
